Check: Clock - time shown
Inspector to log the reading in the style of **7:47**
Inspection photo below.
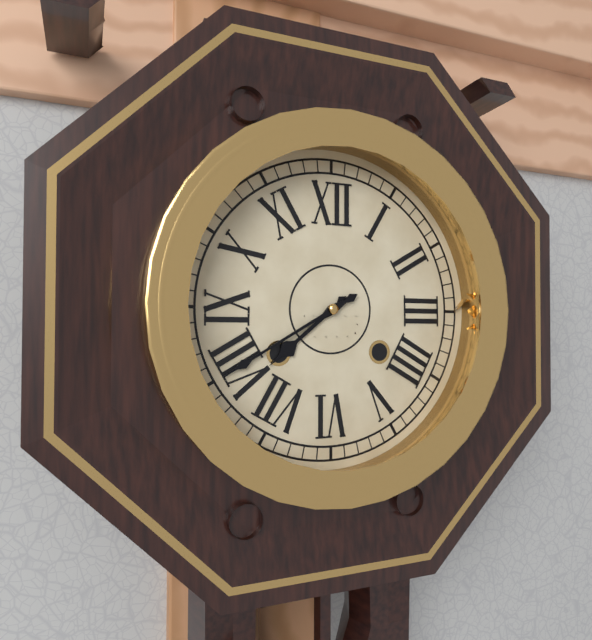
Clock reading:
**7:40**
